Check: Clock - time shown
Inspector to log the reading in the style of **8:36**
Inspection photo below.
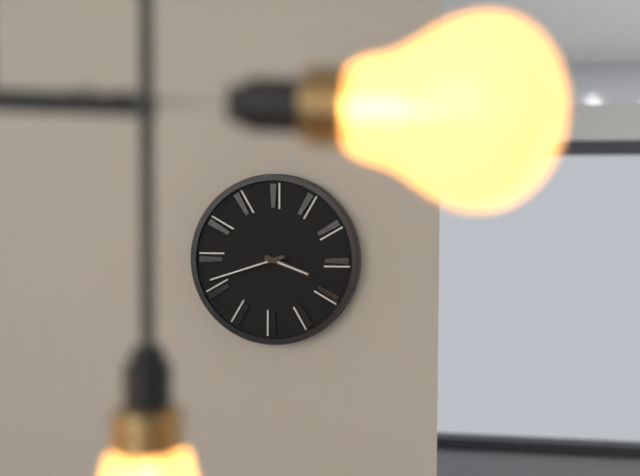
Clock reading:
**3:42**
